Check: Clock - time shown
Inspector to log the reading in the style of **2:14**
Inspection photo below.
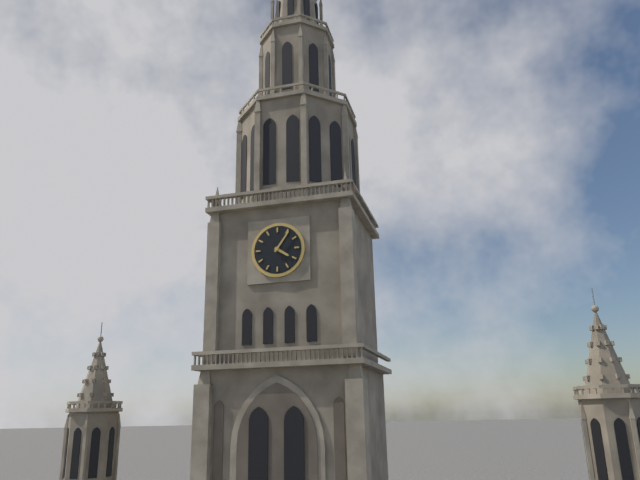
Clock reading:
**4:06**
